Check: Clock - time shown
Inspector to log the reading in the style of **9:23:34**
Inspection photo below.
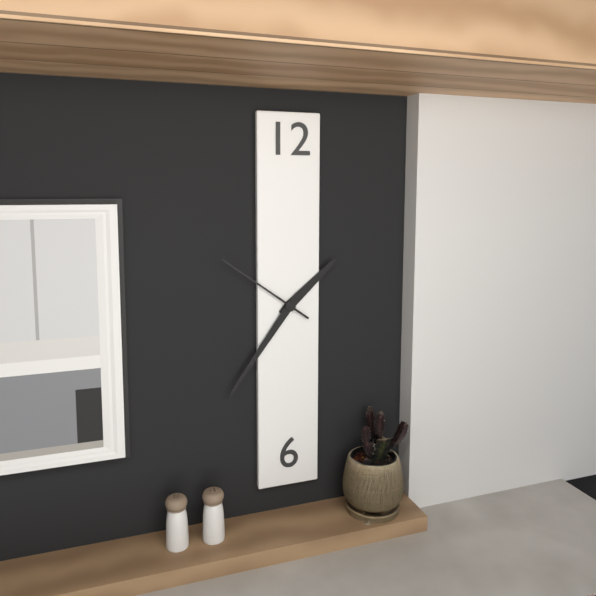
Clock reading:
**1:36:51**
